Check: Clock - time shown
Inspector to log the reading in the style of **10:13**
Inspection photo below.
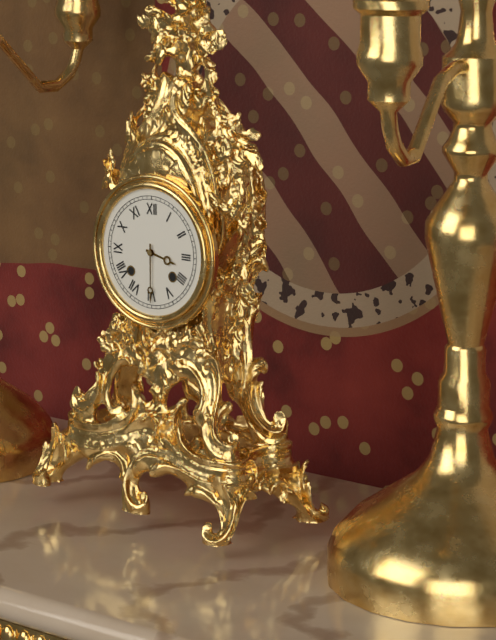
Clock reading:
**3:30**
